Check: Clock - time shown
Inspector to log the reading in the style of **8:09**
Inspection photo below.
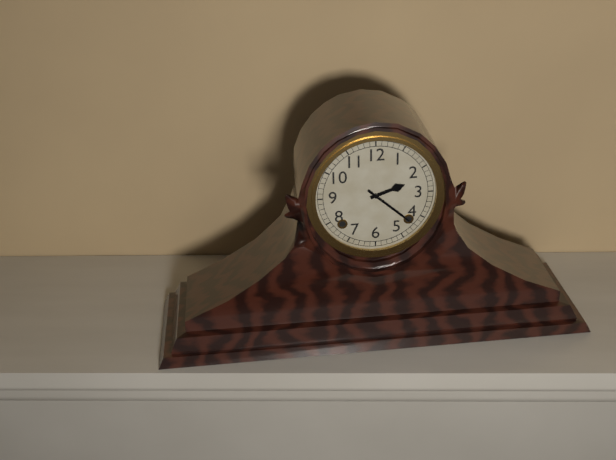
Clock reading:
**2:22**
